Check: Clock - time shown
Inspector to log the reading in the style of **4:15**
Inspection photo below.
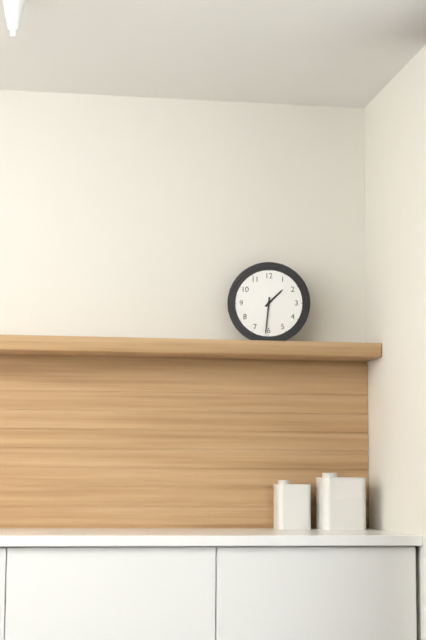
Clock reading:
**1:31**
